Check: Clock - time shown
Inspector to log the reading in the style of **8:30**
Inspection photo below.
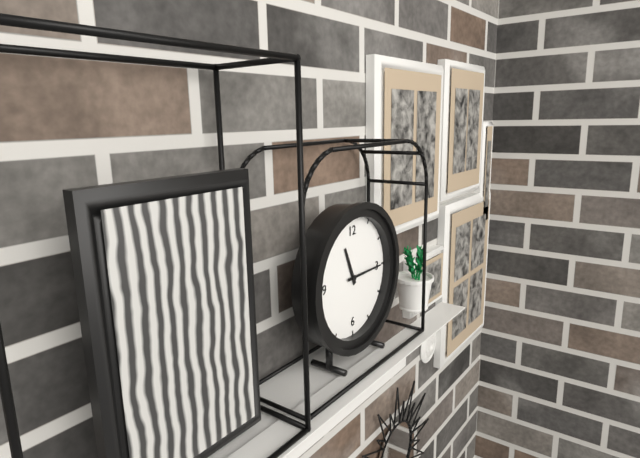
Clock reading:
**11:15**
